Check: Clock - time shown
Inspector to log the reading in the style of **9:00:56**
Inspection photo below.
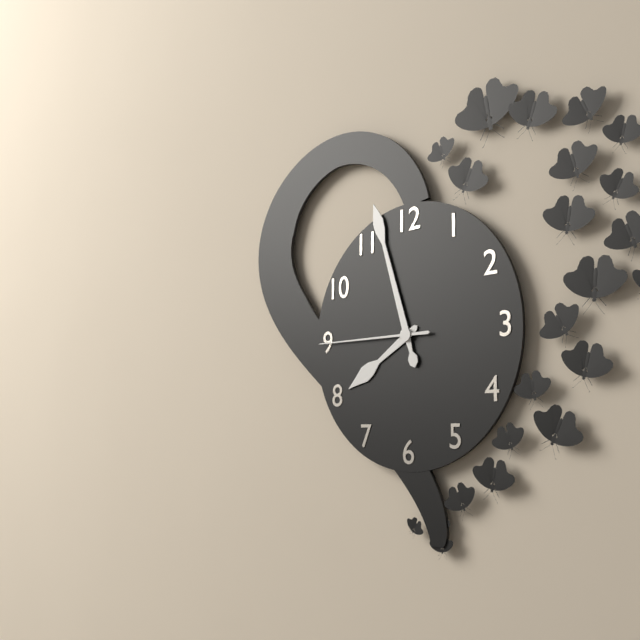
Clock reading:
**7:57:45**
